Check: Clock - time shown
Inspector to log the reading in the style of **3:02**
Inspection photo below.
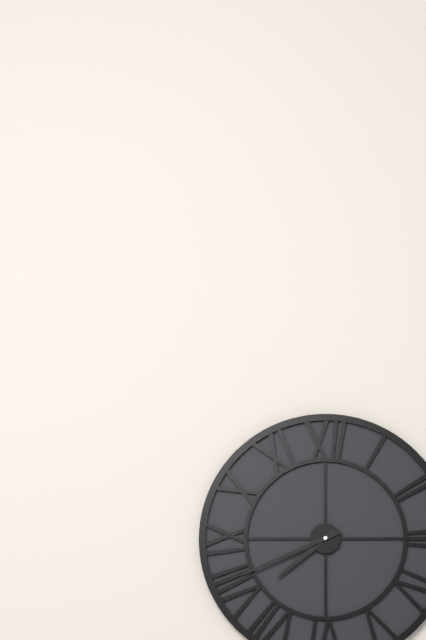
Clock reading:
**7:41**
